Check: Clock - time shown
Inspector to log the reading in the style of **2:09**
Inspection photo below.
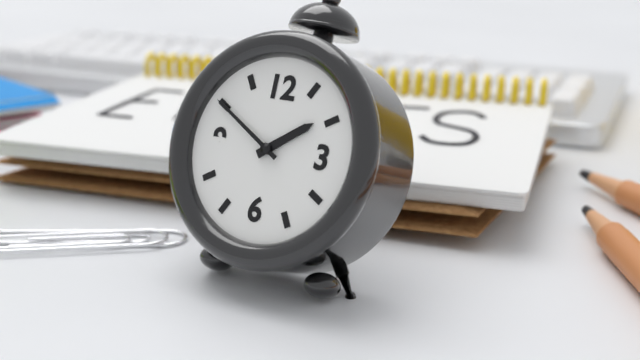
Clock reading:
**1:50**
